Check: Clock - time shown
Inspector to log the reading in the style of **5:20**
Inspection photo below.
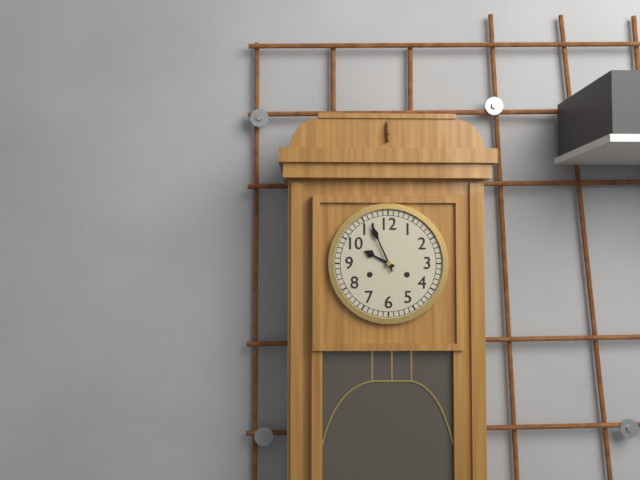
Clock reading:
**9:56**
